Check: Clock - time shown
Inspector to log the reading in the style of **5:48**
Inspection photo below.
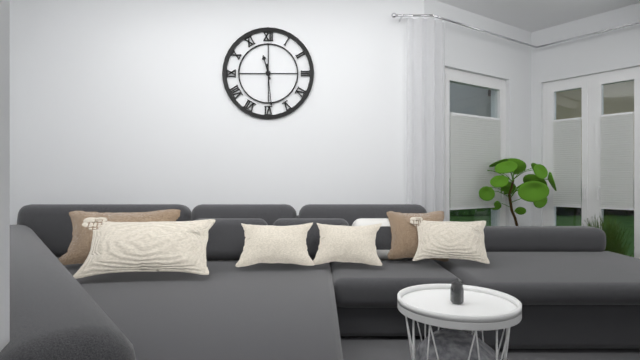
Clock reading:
**11:29**
